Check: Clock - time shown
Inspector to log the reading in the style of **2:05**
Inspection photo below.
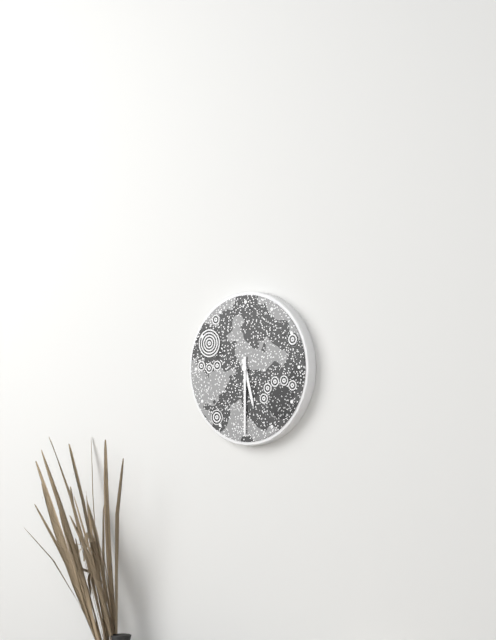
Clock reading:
**5:30**
